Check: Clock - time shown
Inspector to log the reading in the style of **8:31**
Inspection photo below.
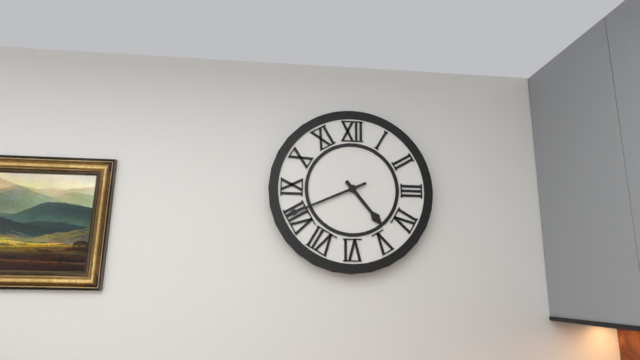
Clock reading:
**4:41**
